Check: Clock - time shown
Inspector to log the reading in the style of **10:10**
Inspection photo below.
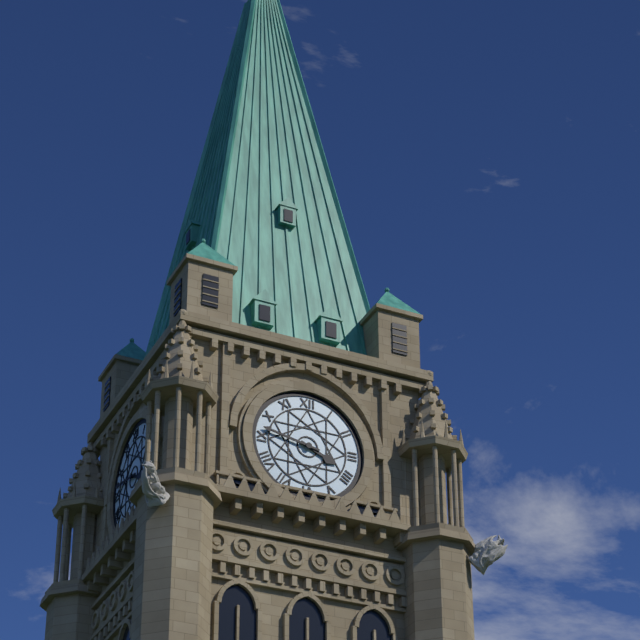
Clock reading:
**3:47**
